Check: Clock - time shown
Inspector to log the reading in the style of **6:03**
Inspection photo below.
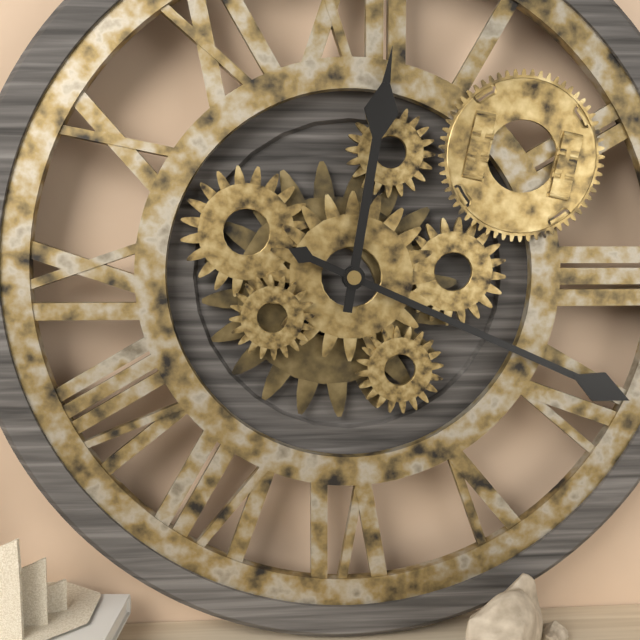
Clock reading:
**12:19**
